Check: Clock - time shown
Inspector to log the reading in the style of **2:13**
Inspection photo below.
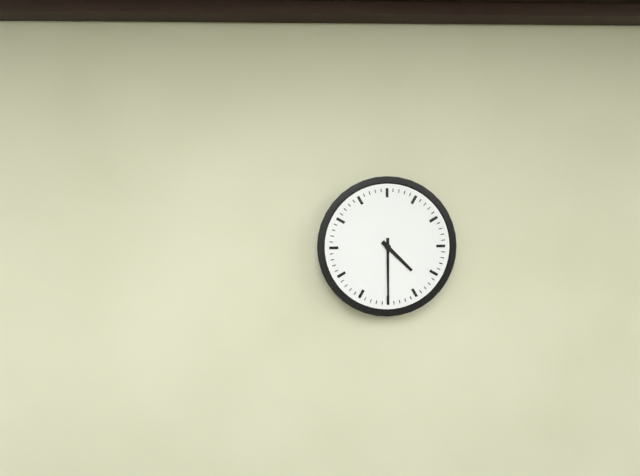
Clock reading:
**4:30**
